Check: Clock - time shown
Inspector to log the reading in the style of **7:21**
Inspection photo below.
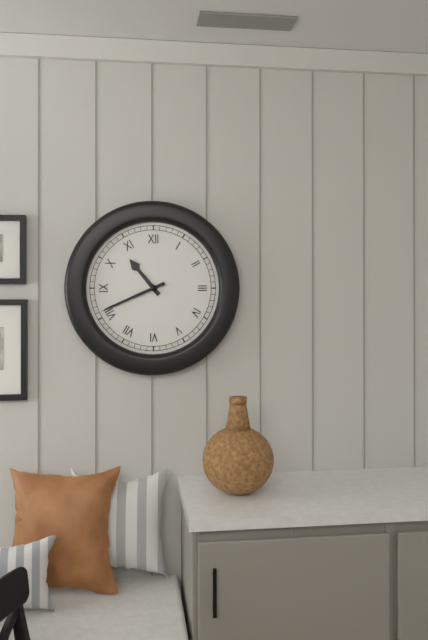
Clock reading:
**10:41**
